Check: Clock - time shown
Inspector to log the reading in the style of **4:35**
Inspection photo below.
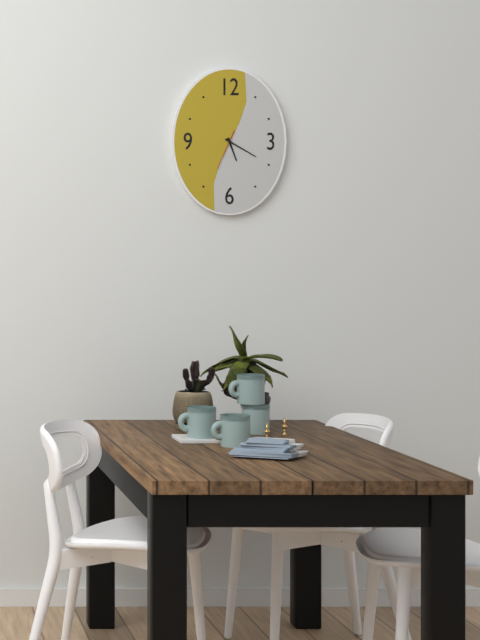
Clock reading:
**5:20**
